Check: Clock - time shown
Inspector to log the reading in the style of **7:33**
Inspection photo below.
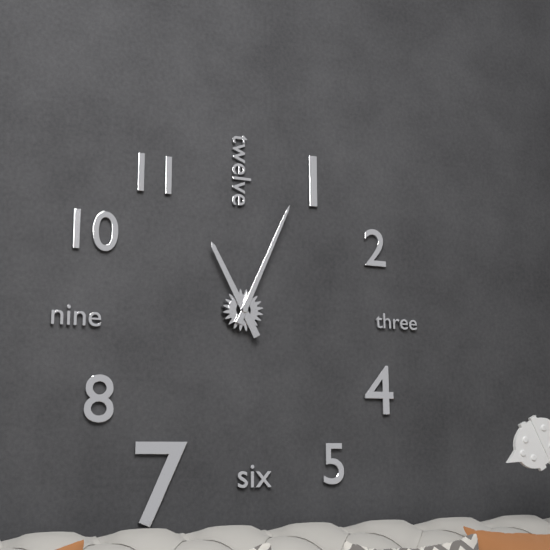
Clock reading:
**11:04**
